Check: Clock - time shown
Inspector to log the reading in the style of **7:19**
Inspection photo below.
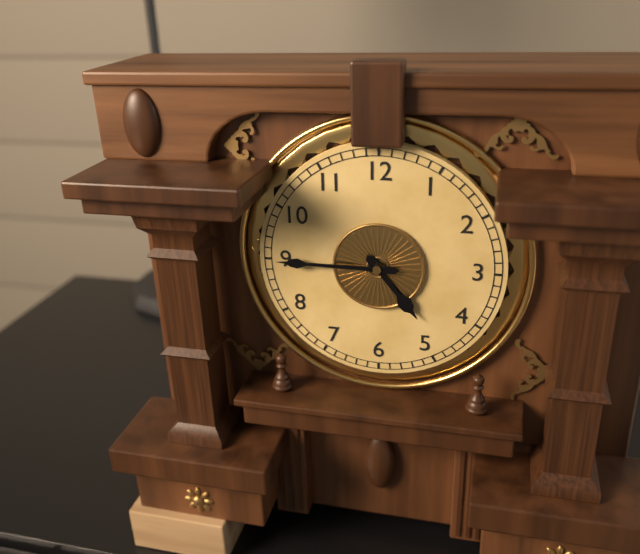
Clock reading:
**4:45**
